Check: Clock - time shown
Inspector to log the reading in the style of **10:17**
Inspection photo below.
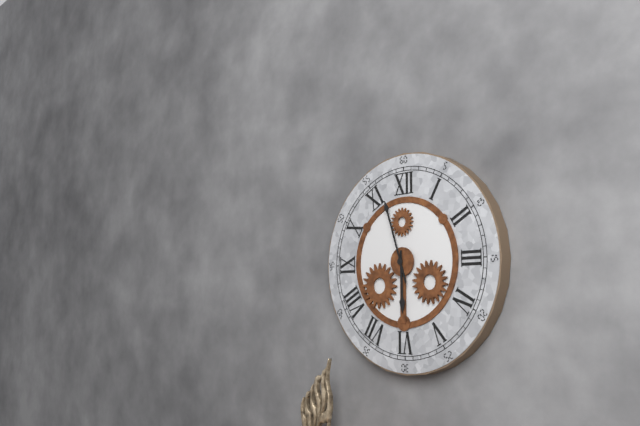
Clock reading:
**5:57**
